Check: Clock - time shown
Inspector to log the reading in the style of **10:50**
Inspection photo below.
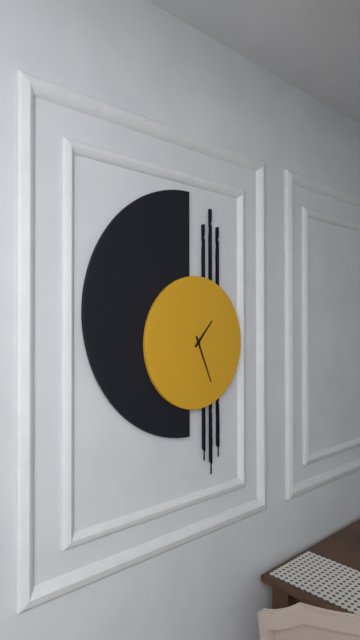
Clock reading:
**1:26**
